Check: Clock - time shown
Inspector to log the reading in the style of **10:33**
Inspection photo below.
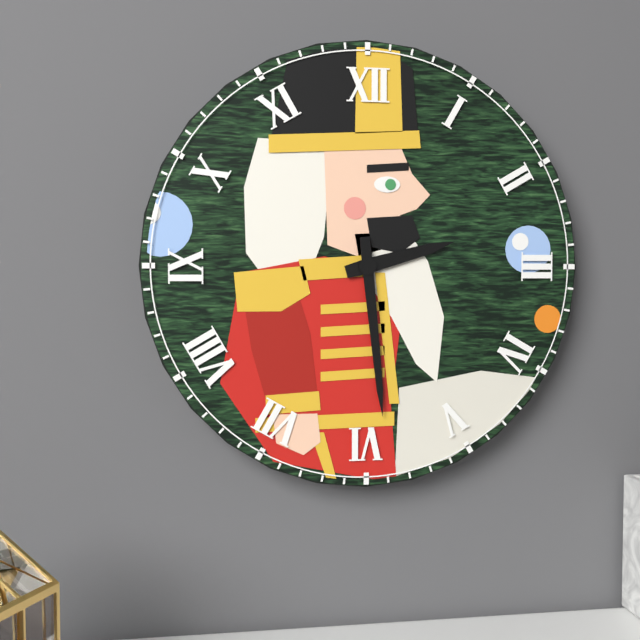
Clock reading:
**2:29**
